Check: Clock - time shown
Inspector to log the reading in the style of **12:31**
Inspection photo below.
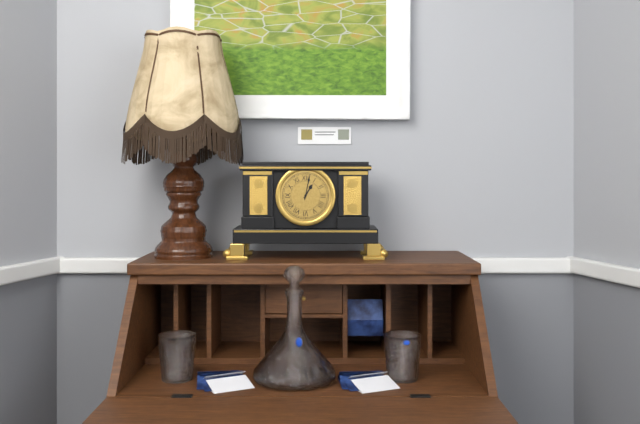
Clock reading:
**1:02**
